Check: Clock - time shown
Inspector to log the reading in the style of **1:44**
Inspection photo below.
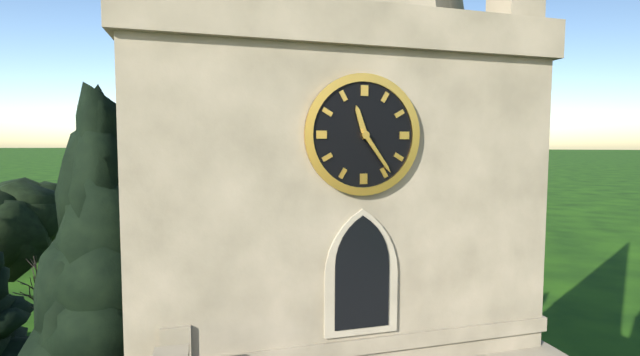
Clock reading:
**11:24**
